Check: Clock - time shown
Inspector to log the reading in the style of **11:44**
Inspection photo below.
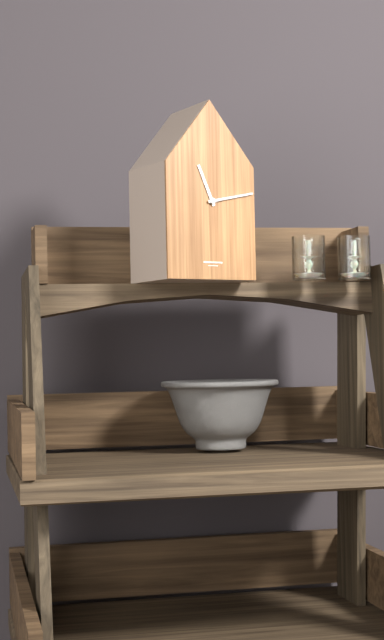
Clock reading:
**11:13**
